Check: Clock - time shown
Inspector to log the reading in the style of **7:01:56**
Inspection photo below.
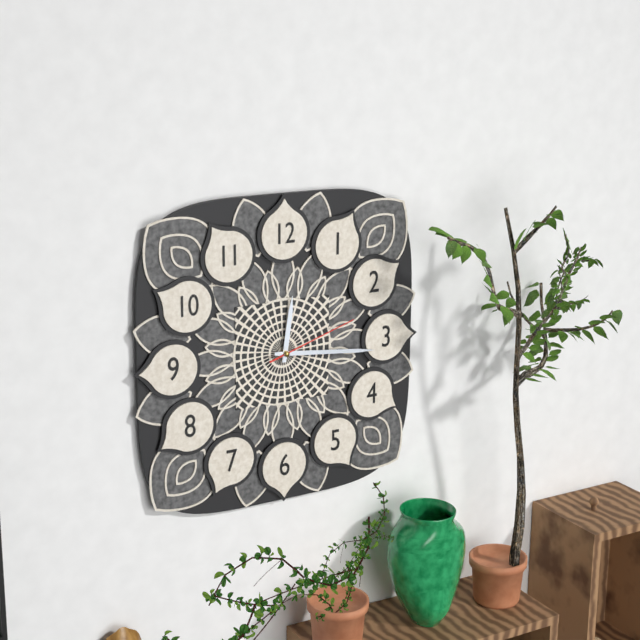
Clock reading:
**12:16:12**
